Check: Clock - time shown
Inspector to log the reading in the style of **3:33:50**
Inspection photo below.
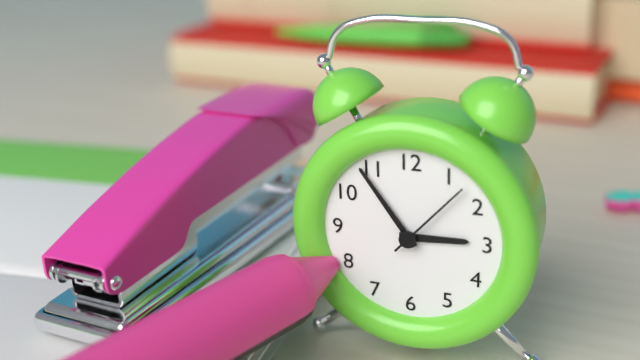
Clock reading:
**2:54:07**
